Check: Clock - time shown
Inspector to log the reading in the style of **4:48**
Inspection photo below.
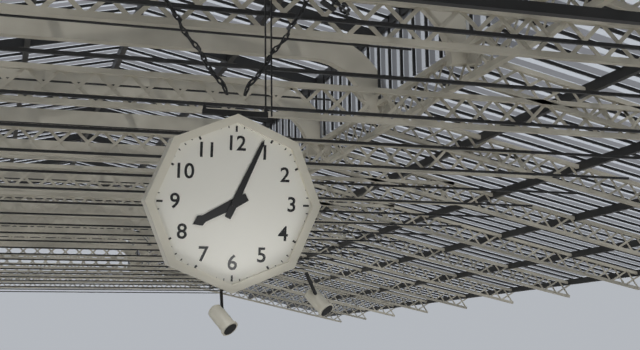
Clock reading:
**8:04**
